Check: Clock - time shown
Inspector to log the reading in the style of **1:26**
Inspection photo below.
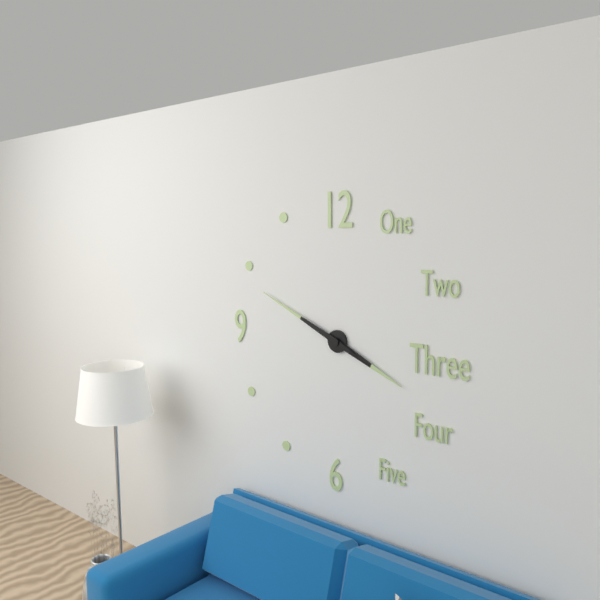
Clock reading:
**3:49**
